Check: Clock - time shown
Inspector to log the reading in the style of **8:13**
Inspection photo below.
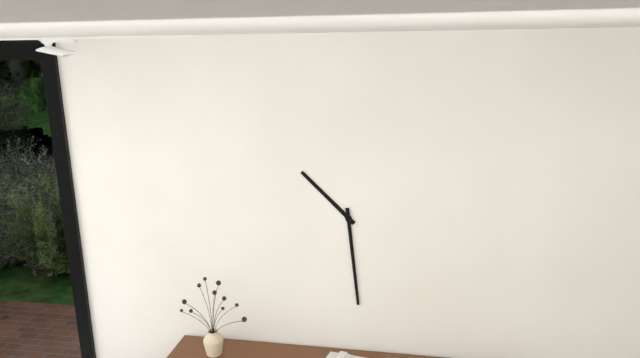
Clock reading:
**10:29**
